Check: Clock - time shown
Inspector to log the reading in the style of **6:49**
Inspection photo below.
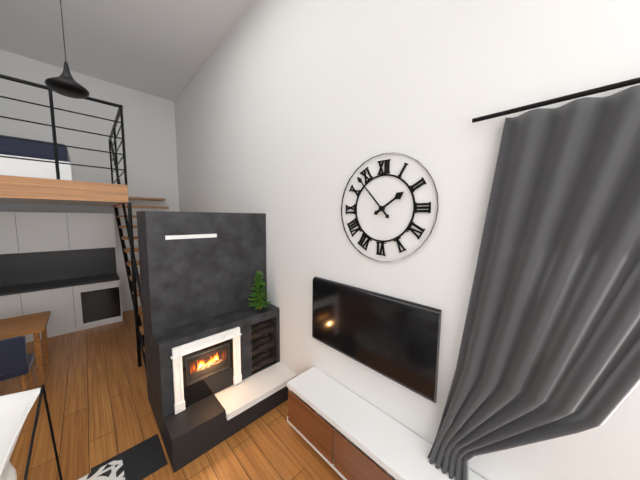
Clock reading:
**1:53**
